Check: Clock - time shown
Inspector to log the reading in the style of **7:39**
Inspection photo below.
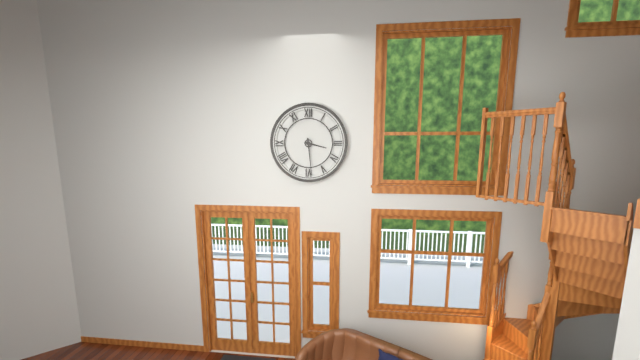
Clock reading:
**3:29**
